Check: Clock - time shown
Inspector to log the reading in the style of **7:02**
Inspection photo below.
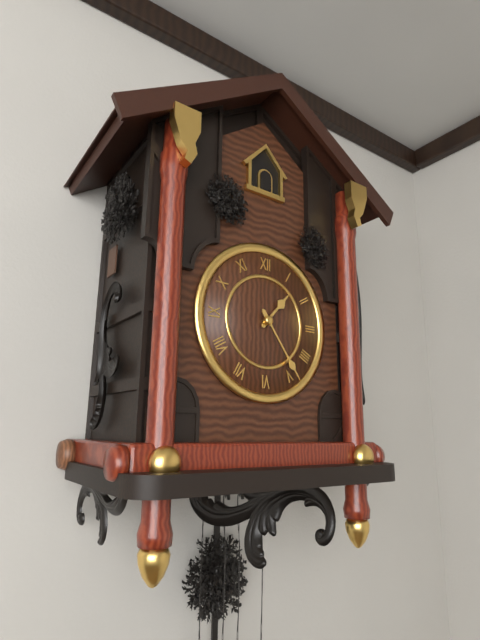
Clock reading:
**1:24**
